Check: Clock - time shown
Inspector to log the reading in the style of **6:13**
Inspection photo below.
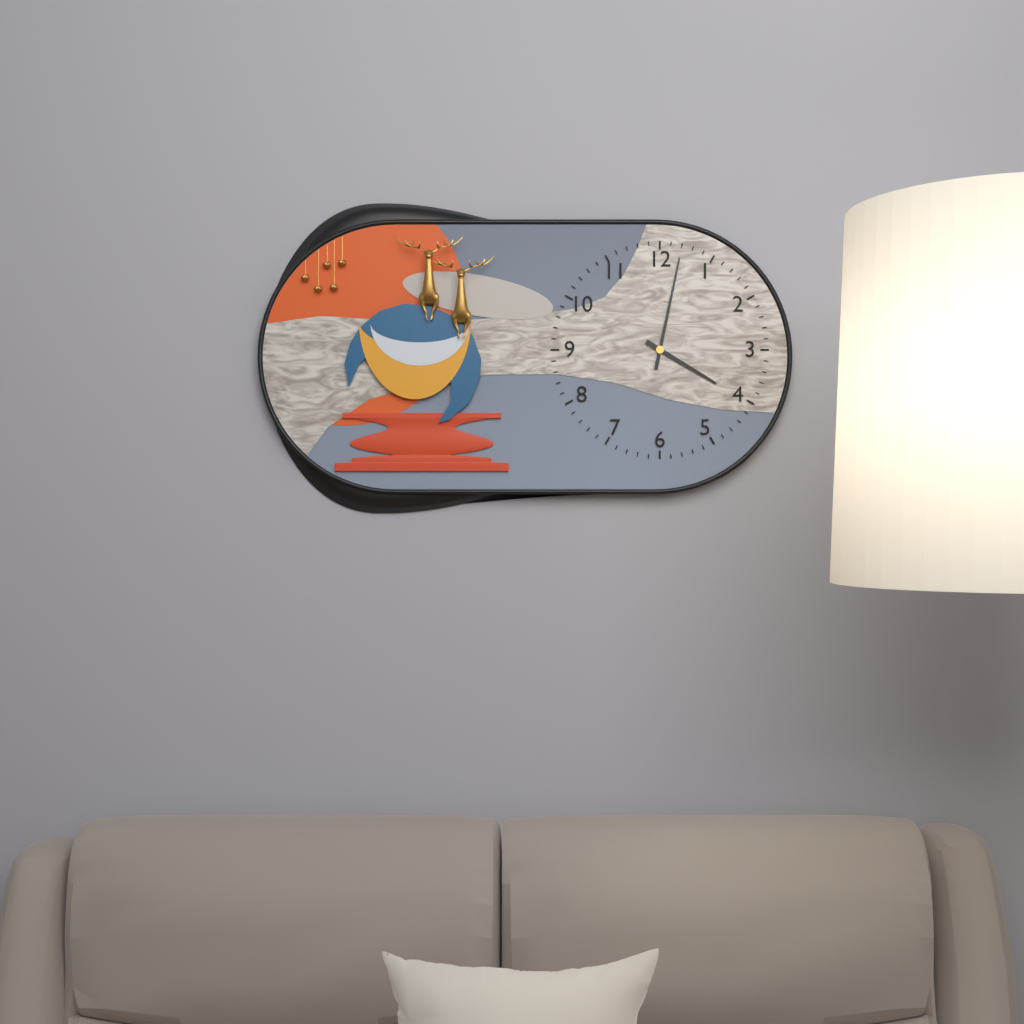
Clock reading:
**4:02**
